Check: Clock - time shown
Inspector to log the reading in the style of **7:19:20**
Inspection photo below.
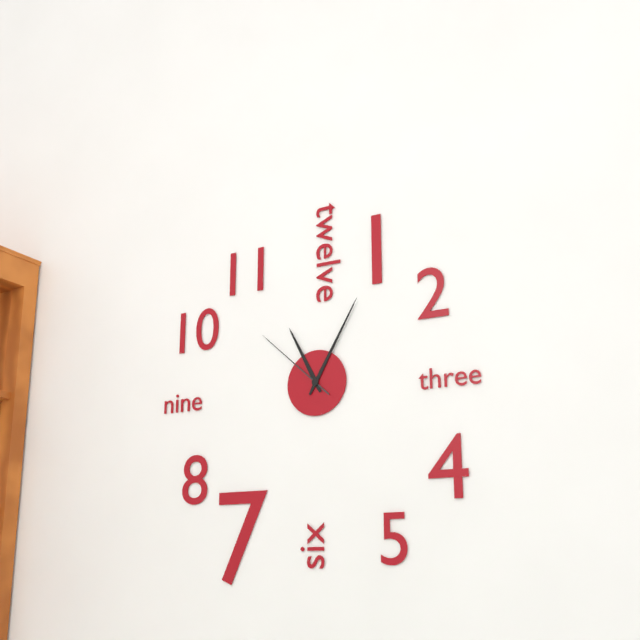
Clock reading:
**11:05:52**
